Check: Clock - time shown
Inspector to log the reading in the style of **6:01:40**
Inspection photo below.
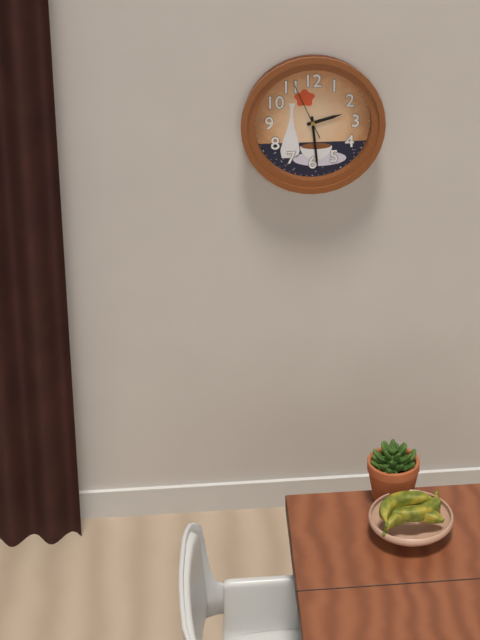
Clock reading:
**2:29:56**
